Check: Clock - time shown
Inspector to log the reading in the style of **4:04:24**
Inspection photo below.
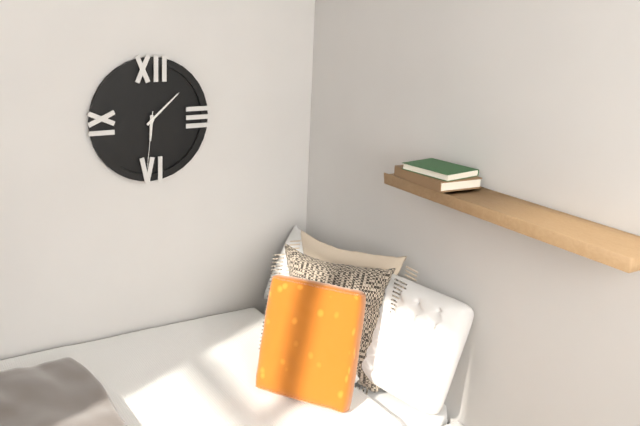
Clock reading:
**6:08:31**
